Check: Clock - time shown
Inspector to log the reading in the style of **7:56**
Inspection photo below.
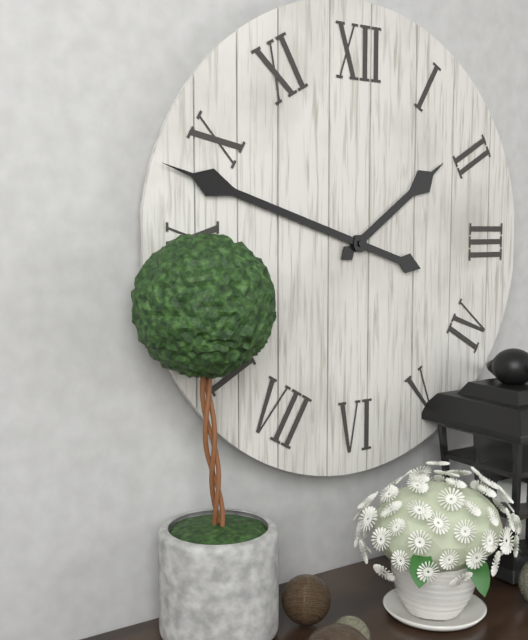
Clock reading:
**1:48**
